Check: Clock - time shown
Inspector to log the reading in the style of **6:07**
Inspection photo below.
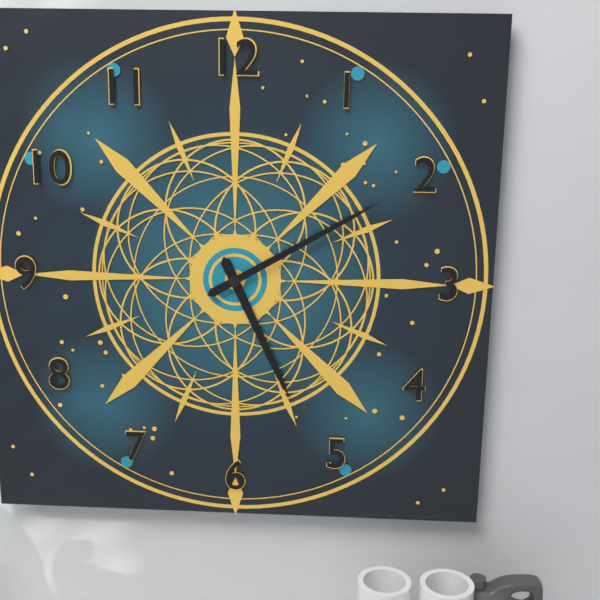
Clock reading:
**5:10**
